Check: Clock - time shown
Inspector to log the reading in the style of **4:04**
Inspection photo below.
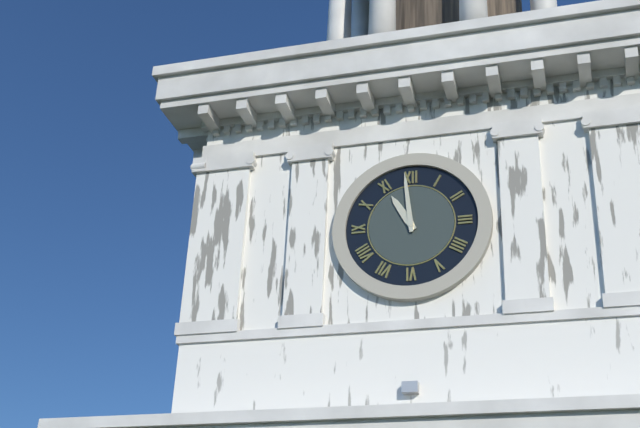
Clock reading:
**10:59**
